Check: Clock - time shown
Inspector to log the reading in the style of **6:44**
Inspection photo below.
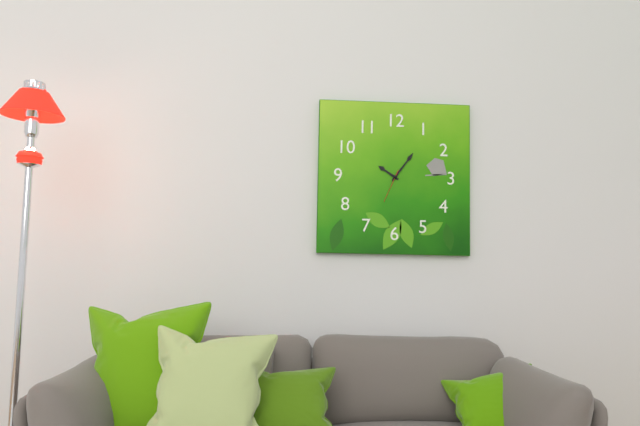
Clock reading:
**10:06**
